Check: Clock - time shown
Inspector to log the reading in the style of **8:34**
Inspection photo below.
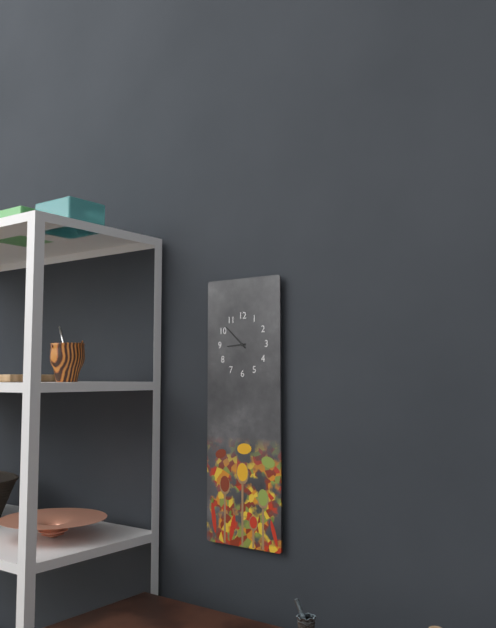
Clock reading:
**8:52**
